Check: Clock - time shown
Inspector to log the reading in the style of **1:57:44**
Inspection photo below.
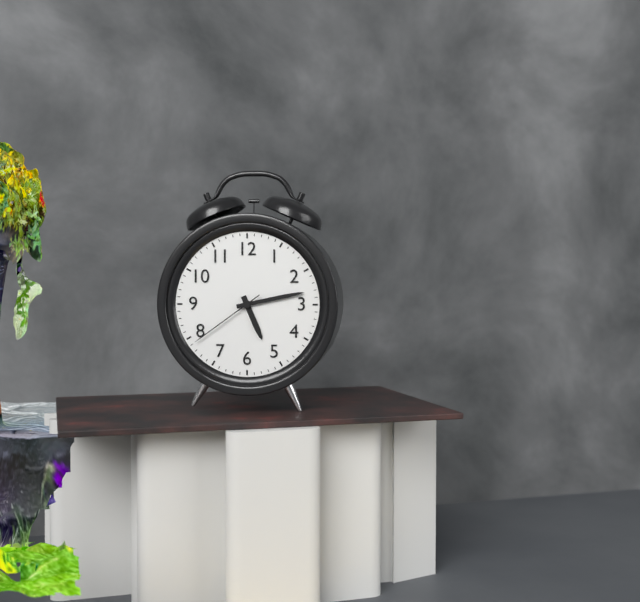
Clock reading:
**5:13:39**
